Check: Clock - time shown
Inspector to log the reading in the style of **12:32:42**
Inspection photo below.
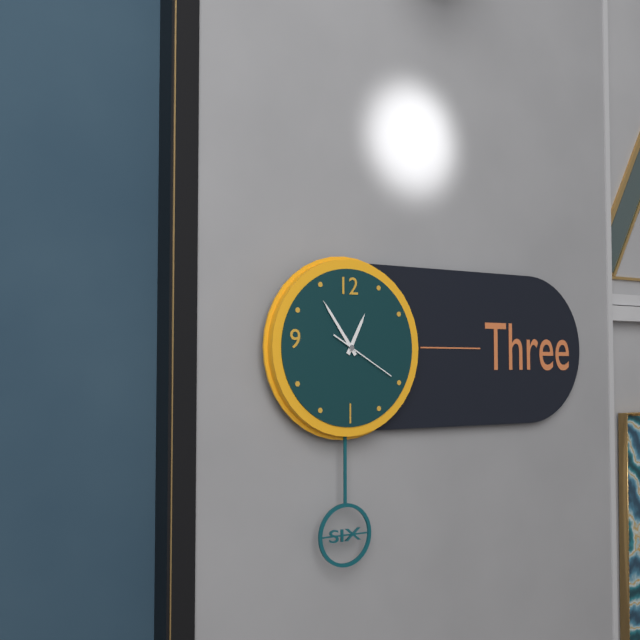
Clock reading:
**12:54:20**
